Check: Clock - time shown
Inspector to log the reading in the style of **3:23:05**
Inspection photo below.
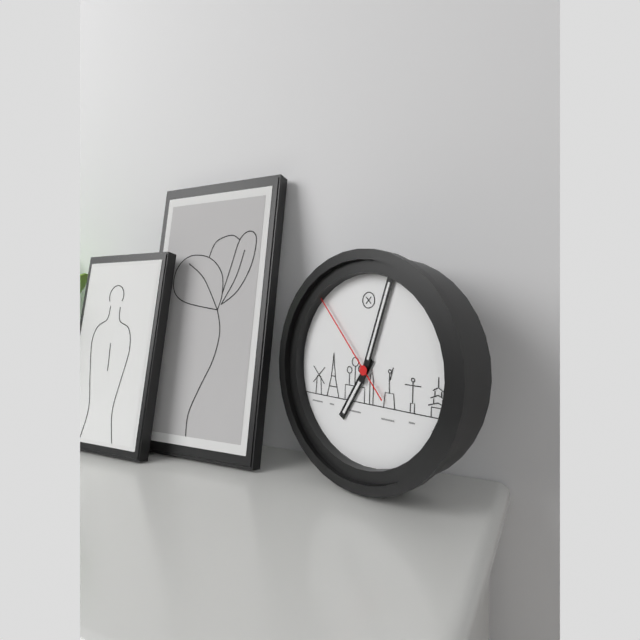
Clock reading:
**7:03:53**
